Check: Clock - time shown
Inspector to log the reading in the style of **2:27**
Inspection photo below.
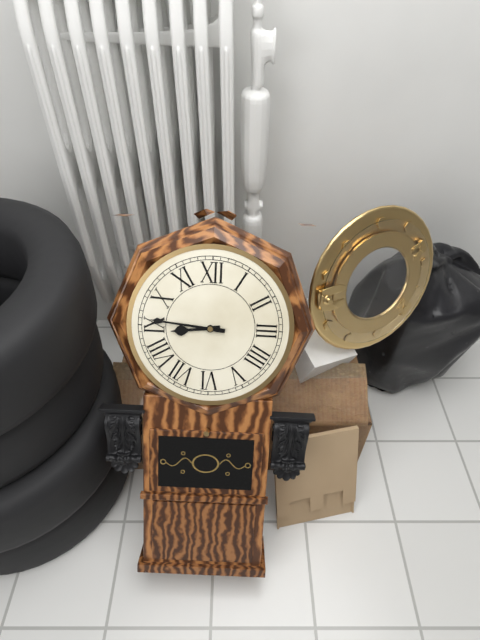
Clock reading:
**8:46**
